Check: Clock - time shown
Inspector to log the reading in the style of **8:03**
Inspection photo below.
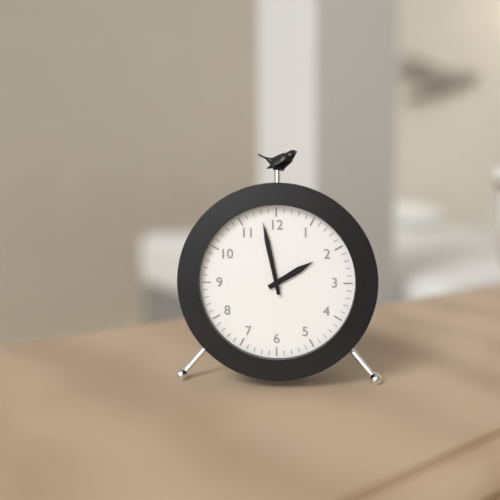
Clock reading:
**1:58**
